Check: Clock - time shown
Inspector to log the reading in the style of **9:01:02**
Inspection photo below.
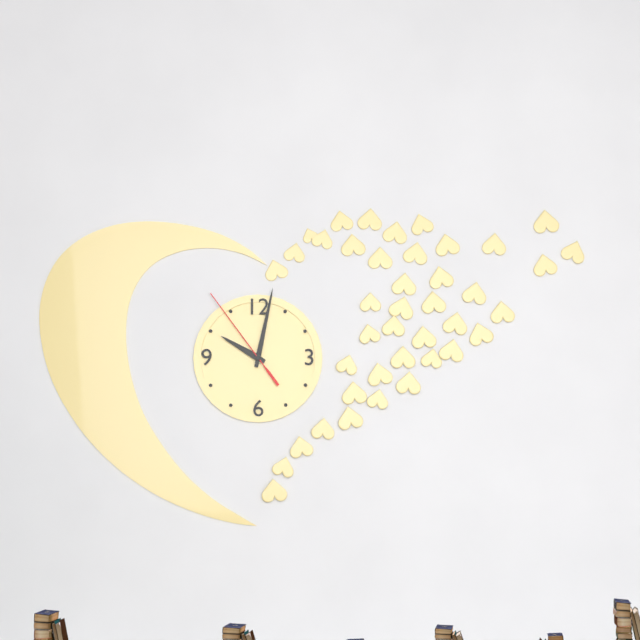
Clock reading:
**10:02:54**
